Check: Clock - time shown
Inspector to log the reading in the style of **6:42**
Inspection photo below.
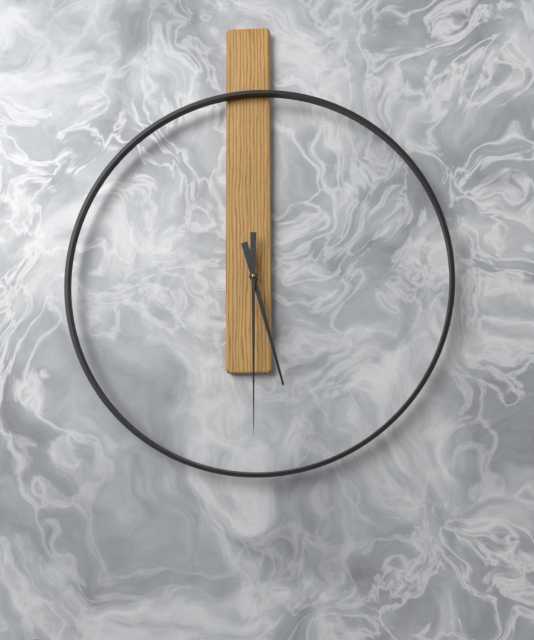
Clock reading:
**5:30**
